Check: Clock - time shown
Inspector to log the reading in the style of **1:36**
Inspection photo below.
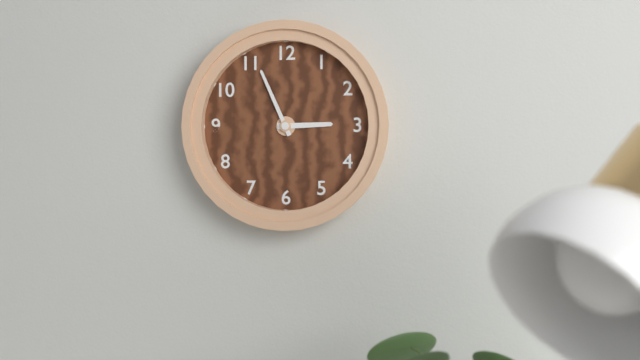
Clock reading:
**2:56**
